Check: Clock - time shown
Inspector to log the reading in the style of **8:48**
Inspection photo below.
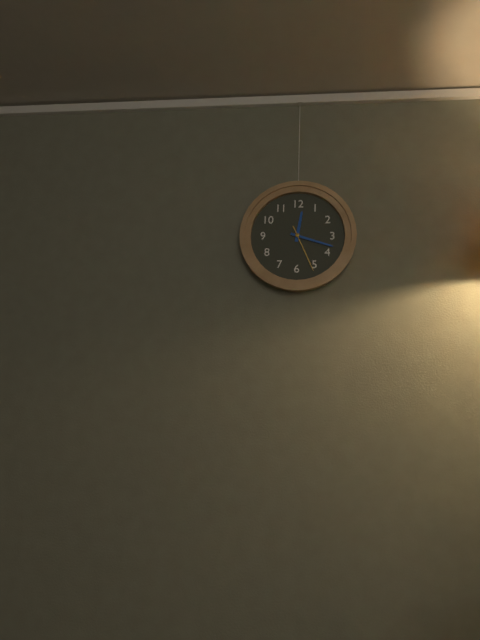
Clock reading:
**12:18**
